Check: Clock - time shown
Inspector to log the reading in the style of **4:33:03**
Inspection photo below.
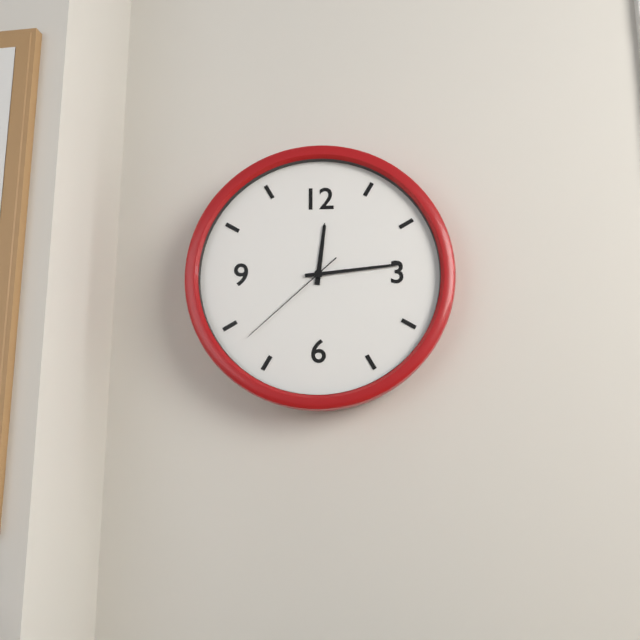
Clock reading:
**12:14:38**
